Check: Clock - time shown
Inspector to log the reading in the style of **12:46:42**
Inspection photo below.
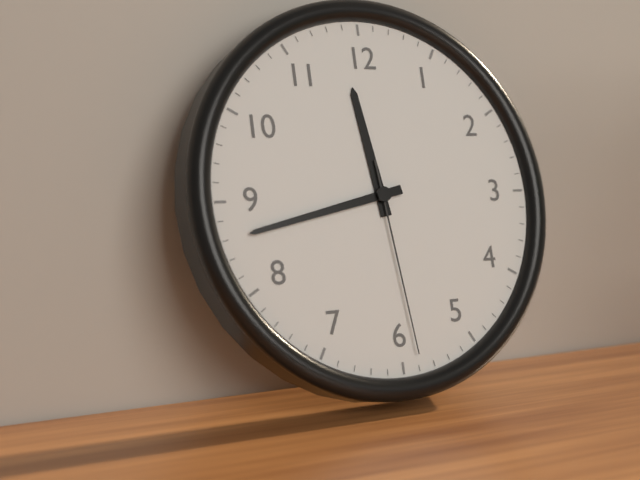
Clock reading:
**11:43:29**
